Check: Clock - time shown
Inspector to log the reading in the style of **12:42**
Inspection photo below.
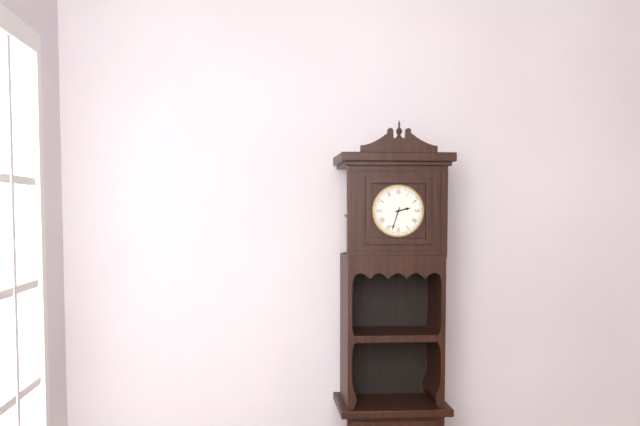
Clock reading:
**2:33**
